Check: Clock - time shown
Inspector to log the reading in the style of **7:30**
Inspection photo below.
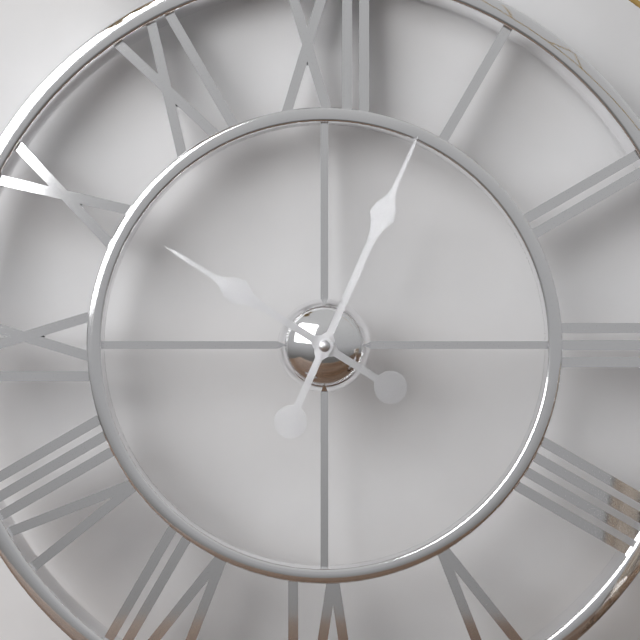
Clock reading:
**10:04**
